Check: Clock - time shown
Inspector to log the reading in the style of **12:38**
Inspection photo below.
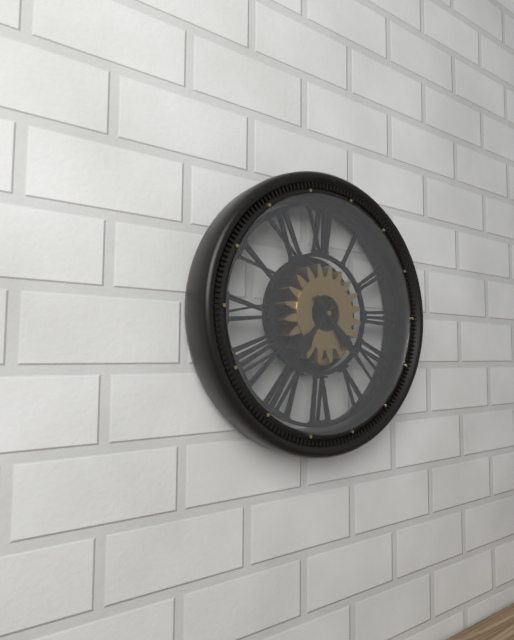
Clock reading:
**7:23**
